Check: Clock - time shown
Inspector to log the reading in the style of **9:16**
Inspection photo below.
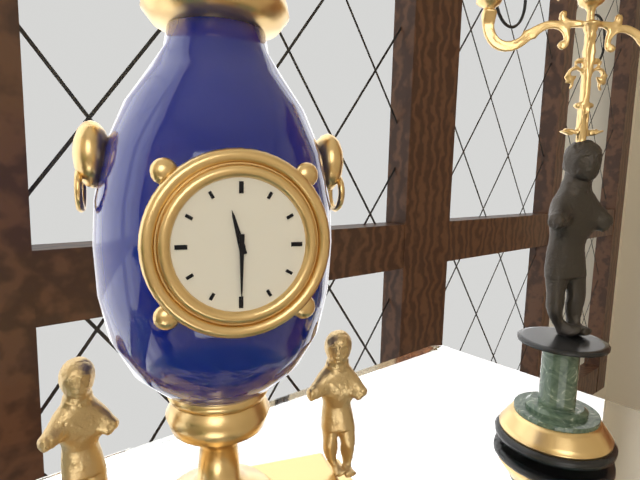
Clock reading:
**11:30**
